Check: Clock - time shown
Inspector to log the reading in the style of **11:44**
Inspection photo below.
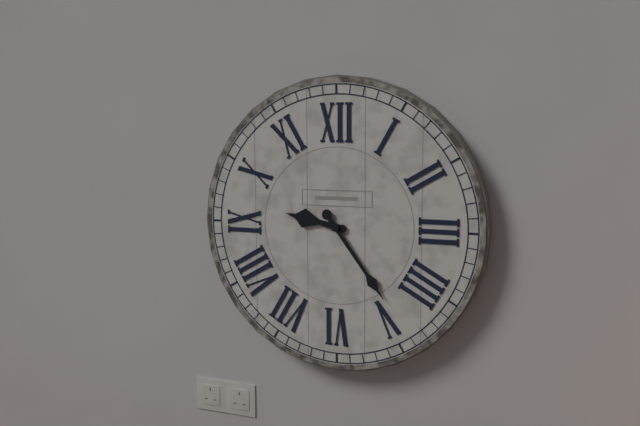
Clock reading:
**9:24**
